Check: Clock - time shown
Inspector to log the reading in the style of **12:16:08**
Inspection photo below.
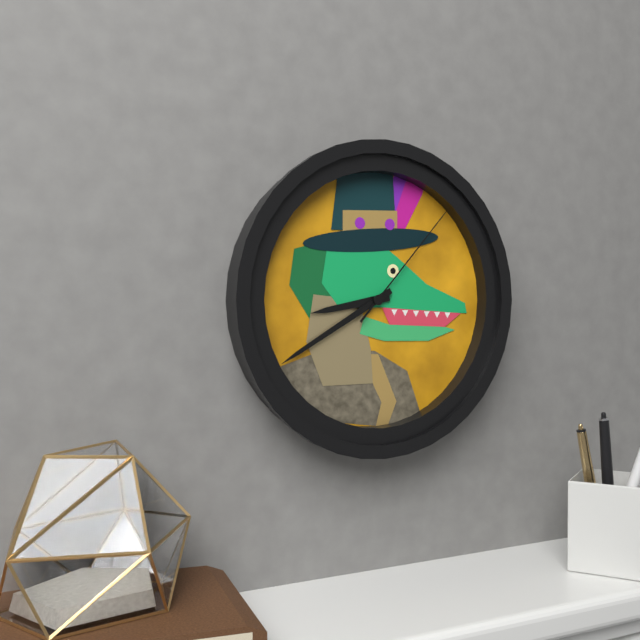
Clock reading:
**8:40:07**
